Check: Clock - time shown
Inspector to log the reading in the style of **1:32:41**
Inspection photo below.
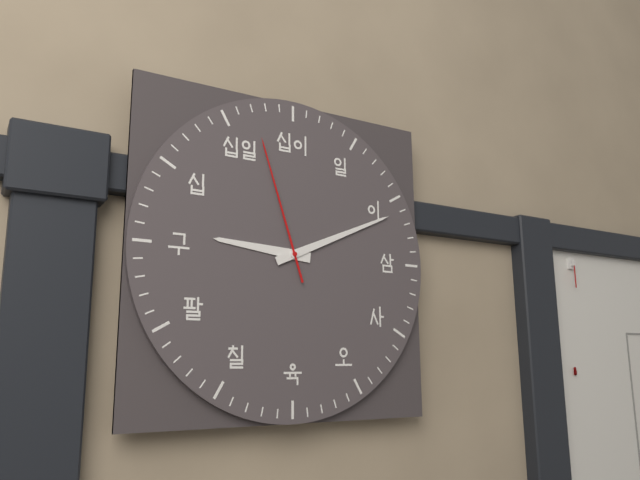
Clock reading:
**9:11:57**
